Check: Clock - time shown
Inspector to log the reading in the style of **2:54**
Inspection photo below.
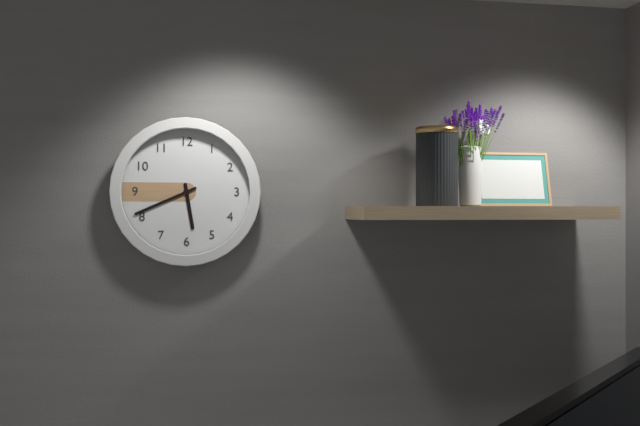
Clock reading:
**5:41**
